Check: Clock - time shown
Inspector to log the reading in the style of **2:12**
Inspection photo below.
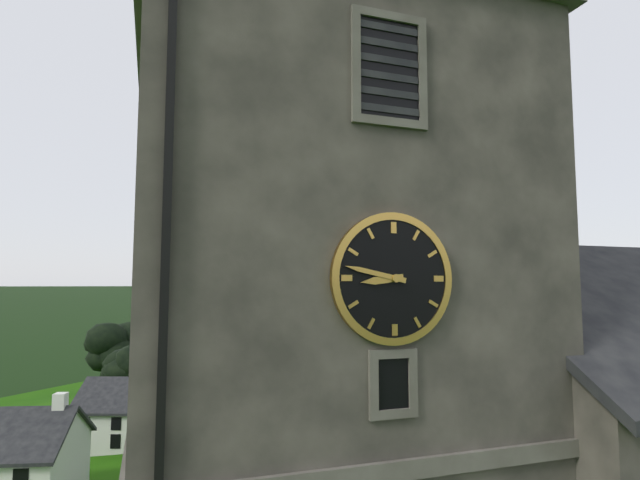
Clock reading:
**8:47**
